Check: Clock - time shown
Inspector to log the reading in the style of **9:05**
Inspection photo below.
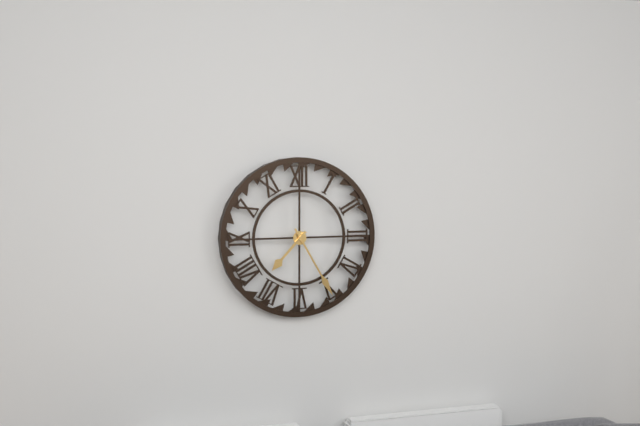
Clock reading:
**7:25**
